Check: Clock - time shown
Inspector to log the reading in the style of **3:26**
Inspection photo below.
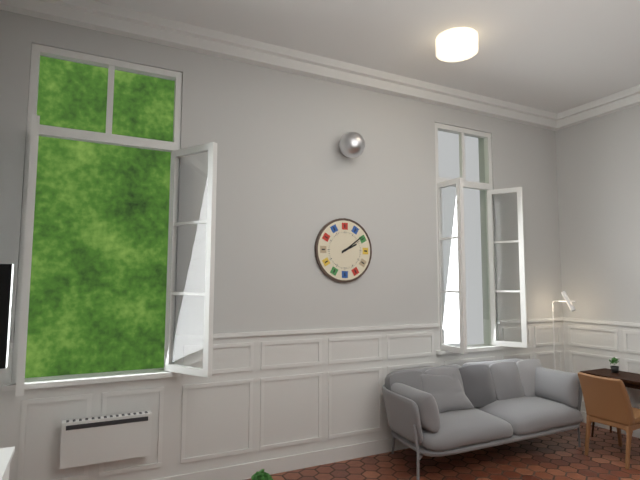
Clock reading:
**2:09**
